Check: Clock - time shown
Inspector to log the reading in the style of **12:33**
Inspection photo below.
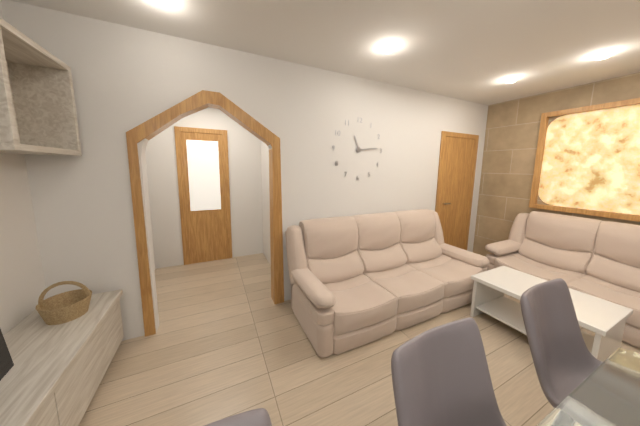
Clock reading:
**11:14**
